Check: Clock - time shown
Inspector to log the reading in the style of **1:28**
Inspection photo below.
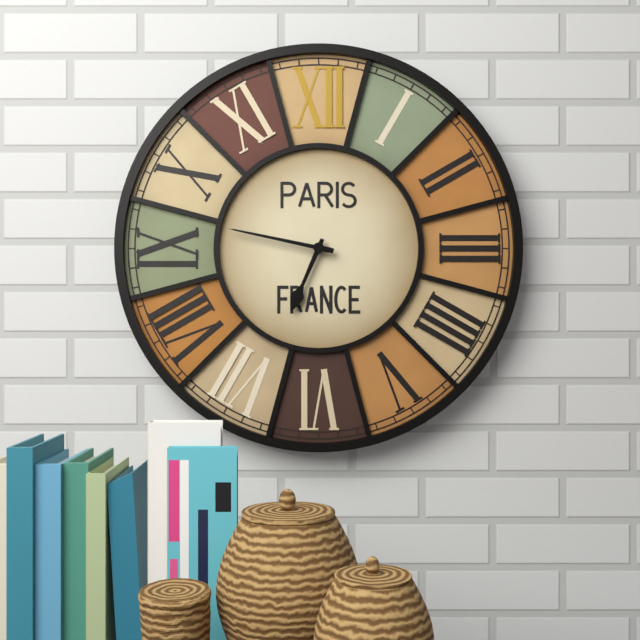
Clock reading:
**6:47**
